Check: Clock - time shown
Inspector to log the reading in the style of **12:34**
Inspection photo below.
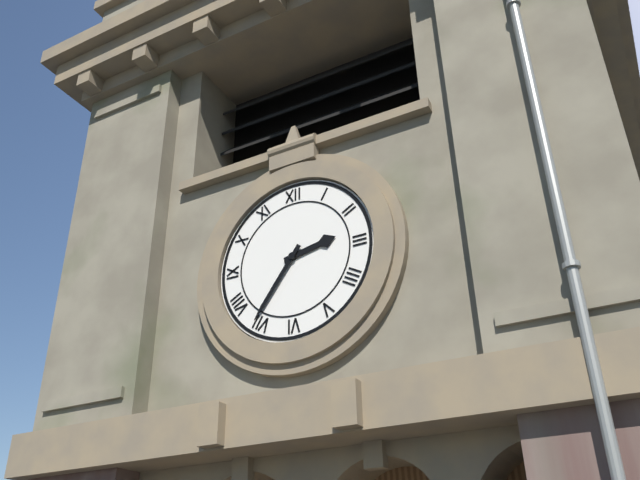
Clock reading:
**2:36**
